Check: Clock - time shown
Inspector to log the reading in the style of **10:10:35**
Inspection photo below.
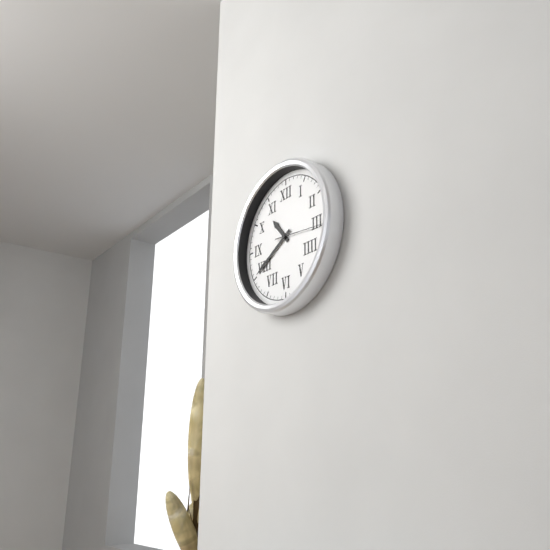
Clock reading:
**10:40:16**
